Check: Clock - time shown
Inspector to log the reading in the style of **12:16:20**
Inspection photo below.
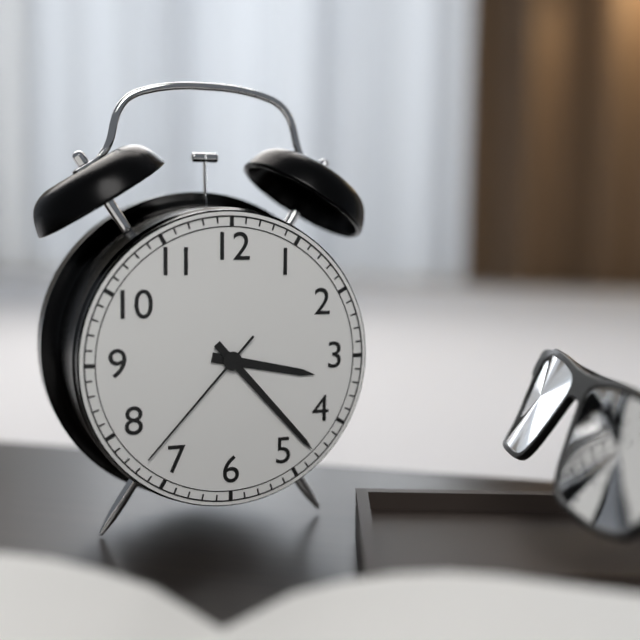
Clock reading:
**3:23:37**
